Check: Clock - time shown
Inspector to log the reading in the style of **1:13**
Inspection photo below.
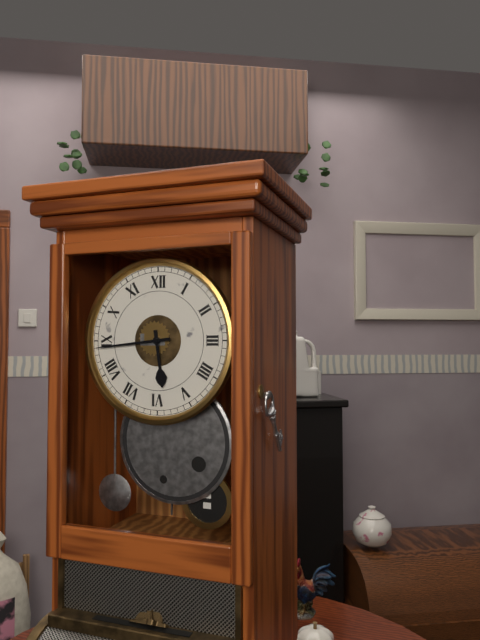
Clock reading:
**5:44**
